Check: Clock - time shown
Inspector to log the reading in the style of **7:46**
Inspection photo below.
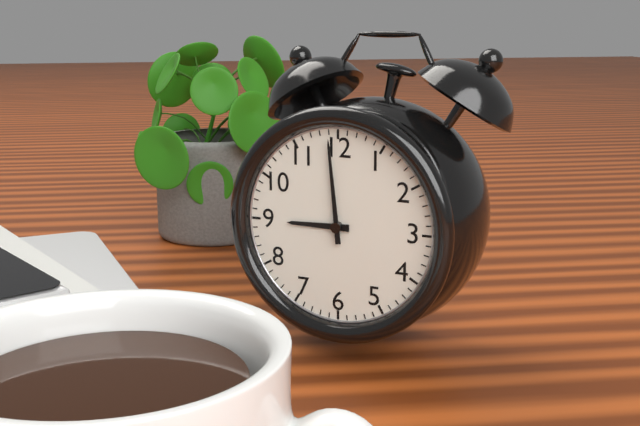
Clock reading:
**8:59**
